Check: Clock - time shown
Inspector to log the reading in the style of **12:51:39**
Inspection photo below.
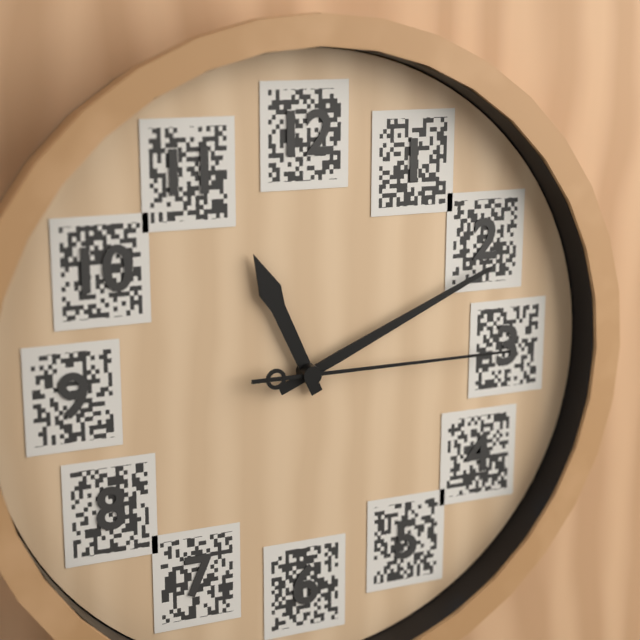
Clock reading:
**11:11:15**
